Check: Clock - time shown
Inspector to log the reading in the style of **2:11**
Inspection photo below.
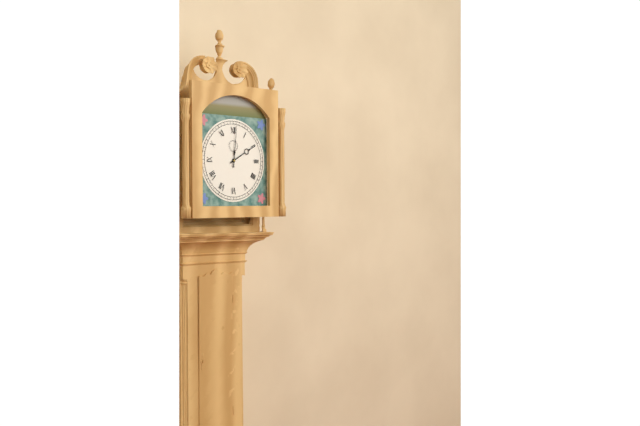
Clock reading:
**2:01**
